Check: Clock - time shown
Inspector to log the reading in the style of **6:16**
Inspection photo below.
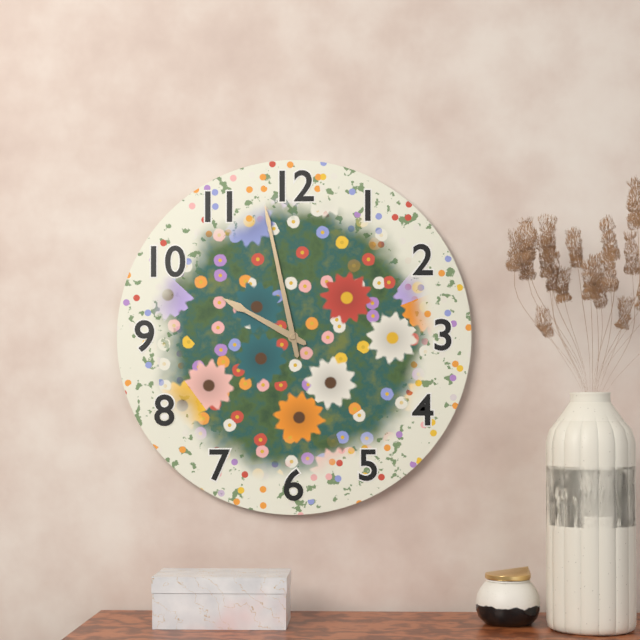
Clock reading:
**9:58**
